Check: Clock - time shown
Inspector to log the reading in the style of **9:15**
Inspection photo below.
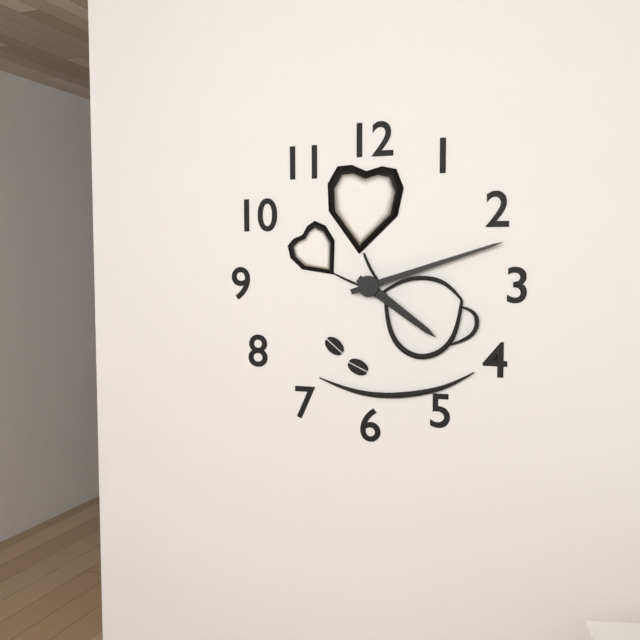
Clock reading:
**4:12**
